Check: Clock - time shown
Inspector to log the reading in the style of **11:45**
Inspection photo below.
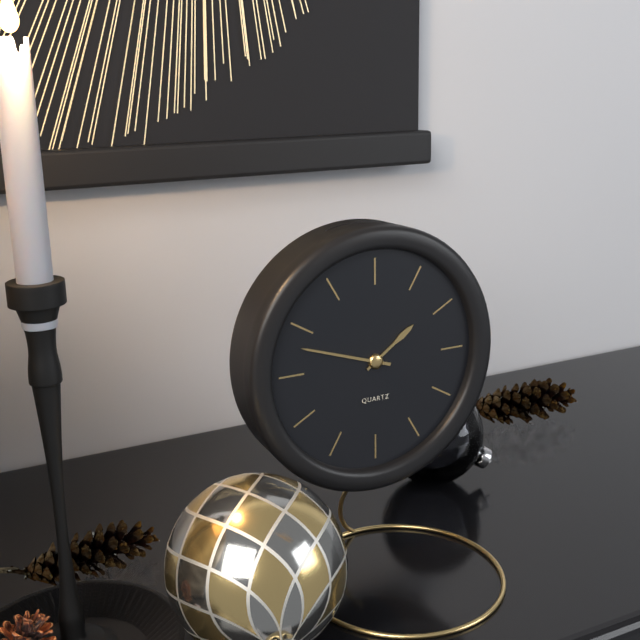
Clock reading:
**1:48**
